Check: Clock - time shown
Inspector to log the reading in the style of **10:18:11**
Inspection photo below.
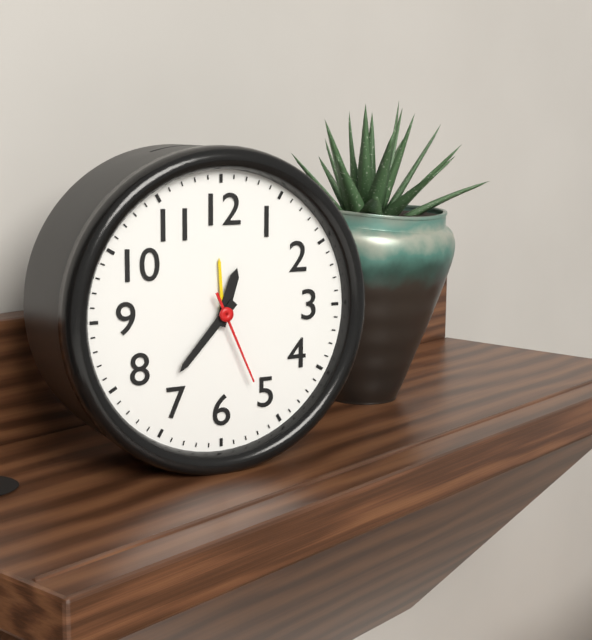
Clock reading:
**12:37:26**
